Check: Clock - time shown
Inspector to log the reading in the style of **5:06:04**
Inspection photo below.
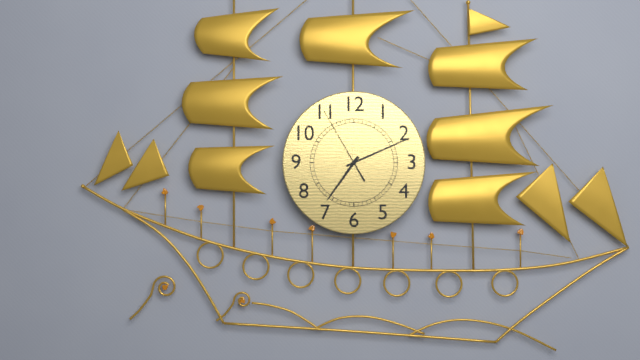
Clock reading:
**7:11:55**
